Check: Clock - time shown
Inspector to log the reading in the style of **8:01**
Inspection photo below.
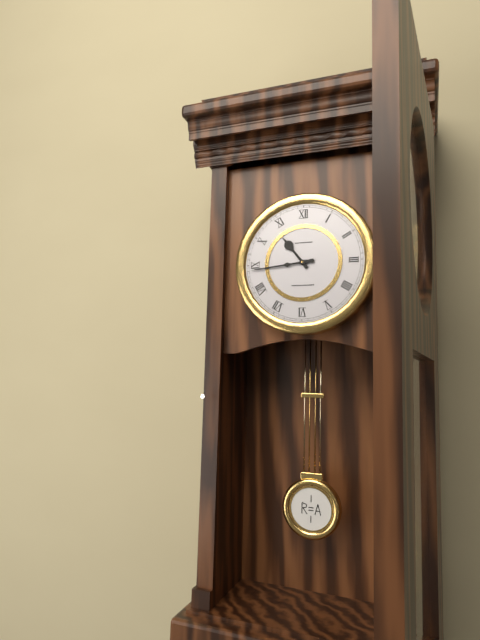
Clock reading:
**10:44**
